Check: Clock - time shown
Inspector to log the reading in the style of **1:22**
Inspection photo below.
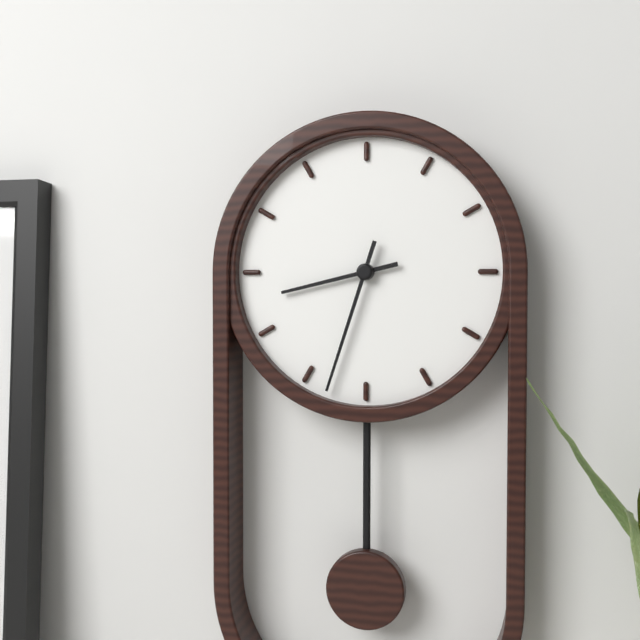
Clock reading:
**8:33**
